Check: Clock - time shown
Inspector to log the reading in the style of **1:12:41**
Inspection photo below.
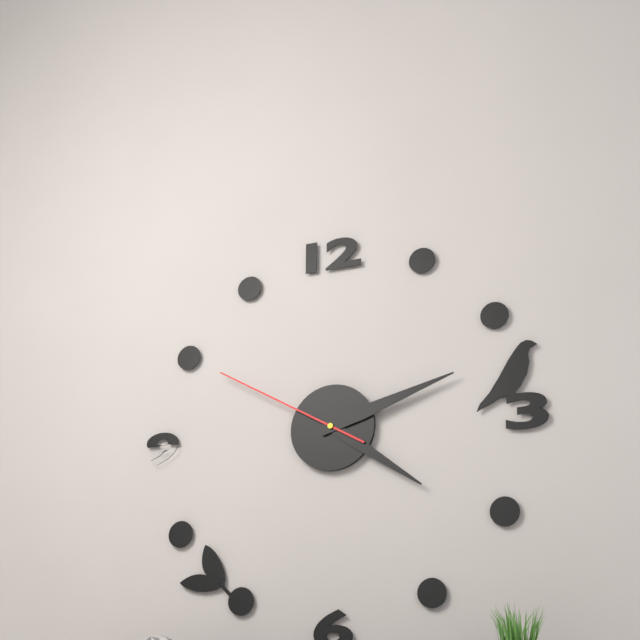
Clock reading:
**4:12:50**
